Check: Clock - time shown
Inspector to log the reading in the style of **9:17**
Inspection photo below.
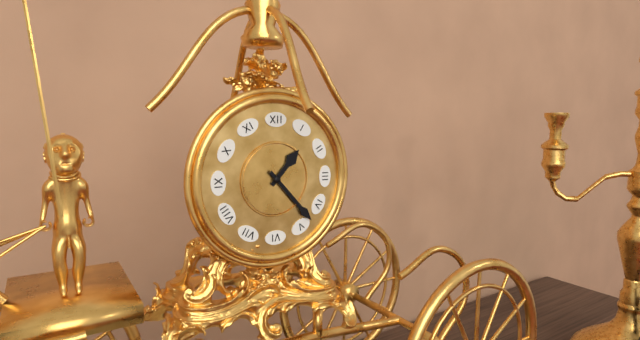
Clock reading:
**1:23**
